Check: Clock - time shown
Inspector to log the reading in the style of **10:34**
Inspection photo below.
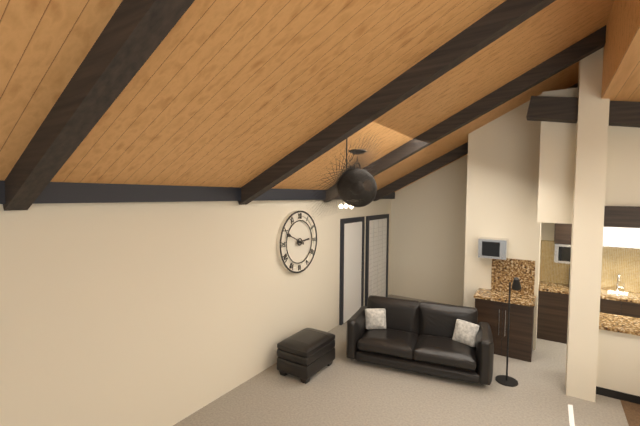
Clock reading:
**2:49**
